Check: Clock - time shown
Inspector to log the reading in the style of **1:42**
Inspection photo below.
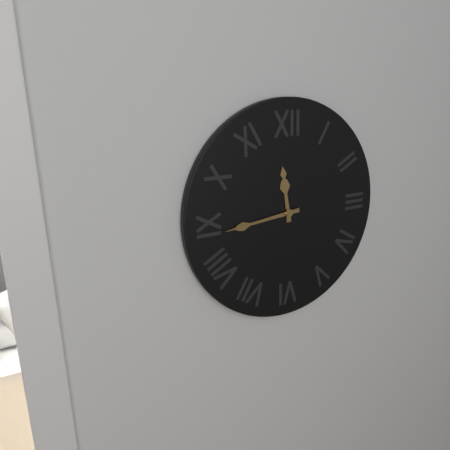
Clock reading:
**11:44**
